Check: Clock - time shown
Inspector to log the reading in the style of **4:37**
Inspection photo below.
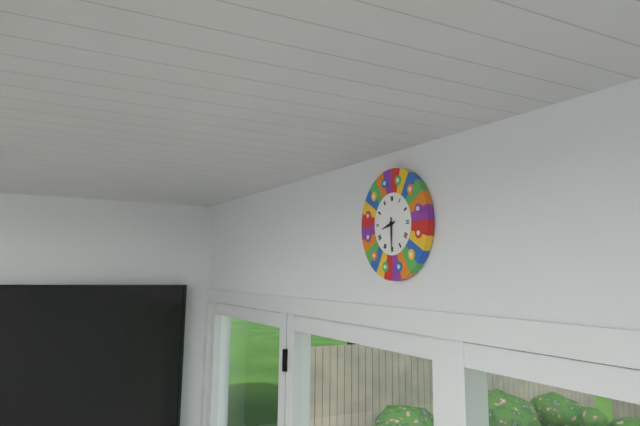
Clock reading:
**8:30**
